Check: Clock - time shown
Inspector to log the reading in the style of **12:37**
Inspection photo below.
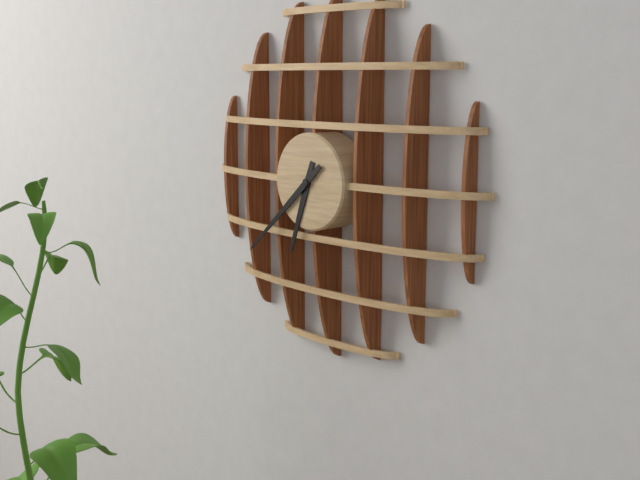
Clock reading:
**6:38**
